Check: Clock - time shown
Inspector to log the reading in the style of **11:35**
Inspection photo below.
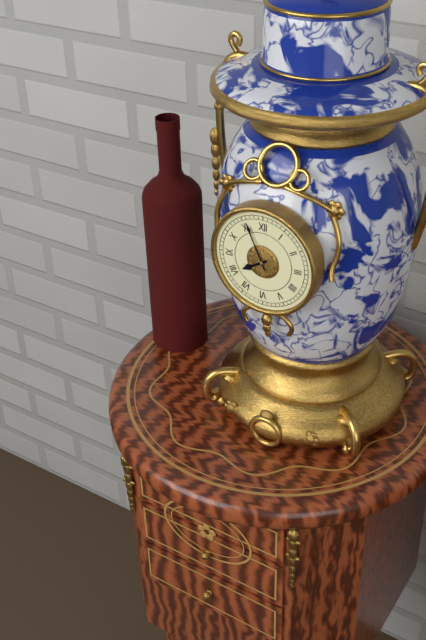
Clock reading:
**7:56**
